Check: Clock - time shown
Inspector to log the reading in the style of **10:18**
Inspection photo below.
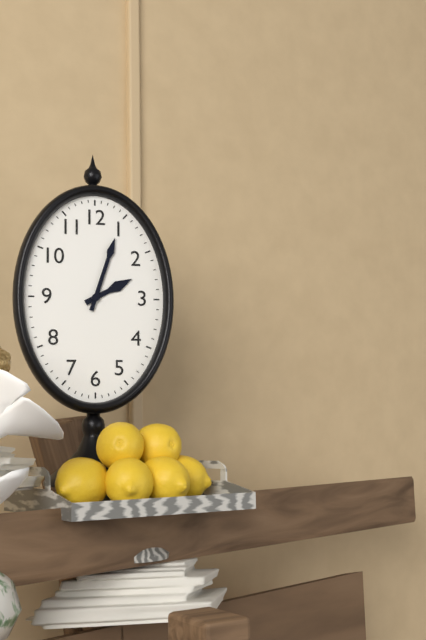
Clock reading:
**2:03**
